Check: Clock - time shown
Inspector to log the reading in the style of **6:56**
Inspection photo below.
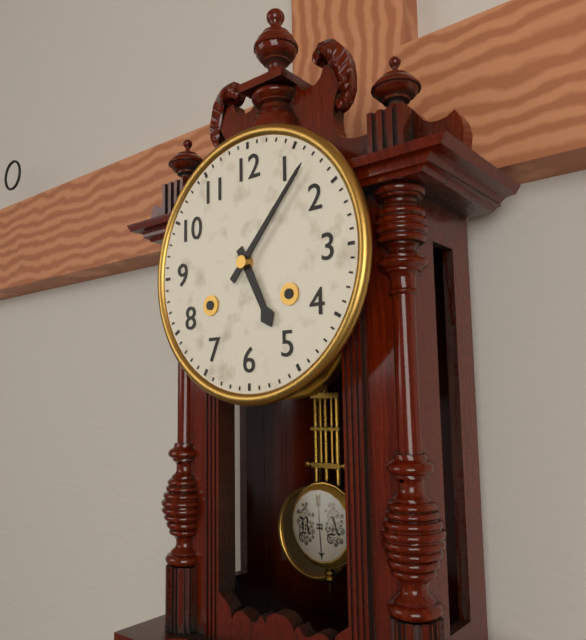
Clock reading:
**5:07**
